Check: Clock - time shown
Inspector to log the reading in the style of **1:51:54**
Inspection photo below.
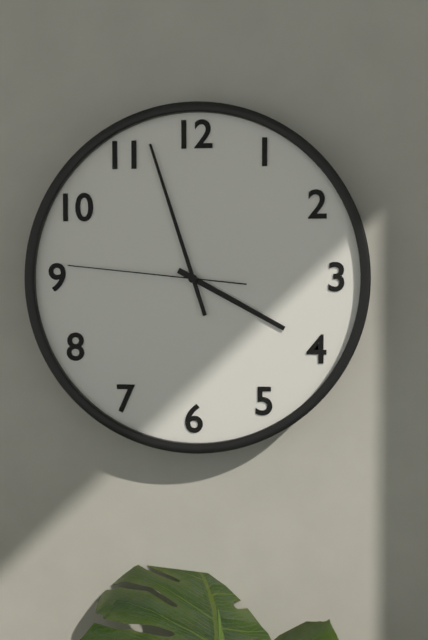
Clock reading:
**3:57:46**
